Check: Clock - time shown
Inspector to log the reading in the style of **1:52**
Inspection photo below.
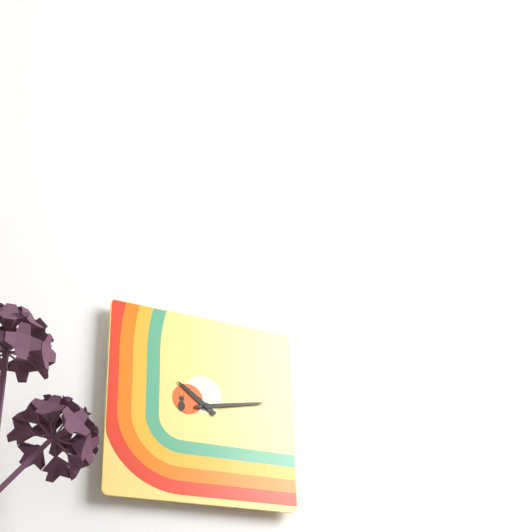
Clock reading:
**10:13**
